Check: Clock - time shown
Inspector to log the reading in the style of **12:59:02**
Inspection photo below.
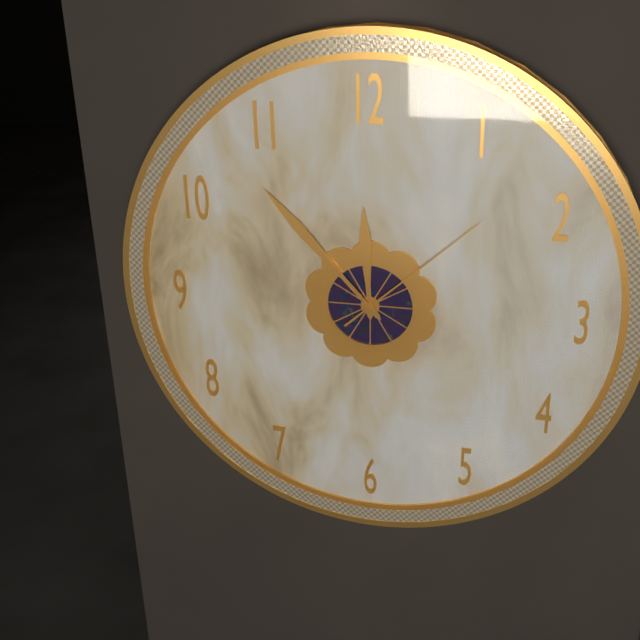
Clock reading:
**11:53:08**
